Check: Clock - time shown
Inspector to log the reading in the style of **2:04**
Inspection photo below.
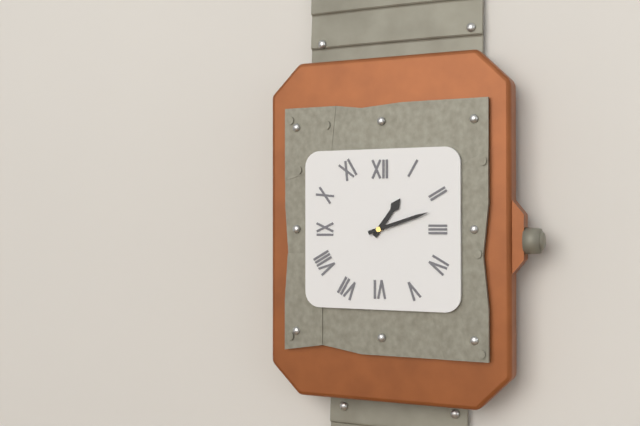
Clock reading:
**1:12**
